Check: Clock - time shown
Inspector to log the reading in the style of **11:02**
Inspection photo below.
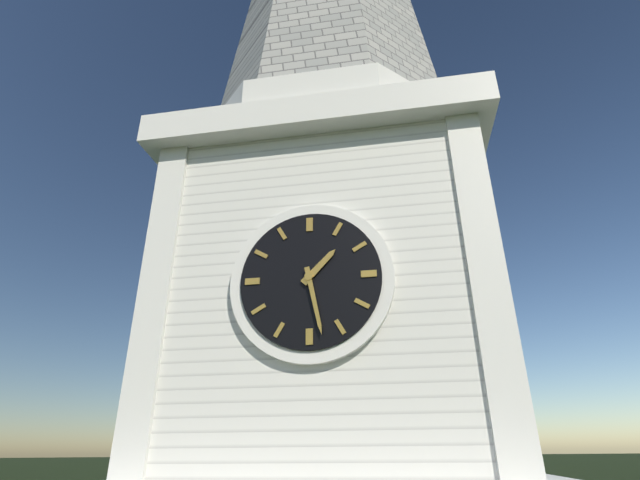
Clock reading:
**1:28**
